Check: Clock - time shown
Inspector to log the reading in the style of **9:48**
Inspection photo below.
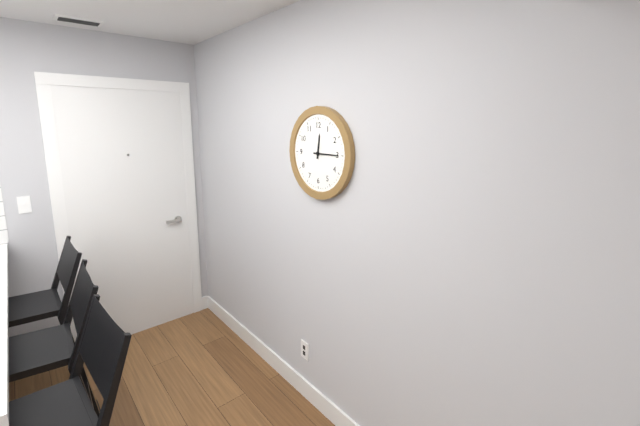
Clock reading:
**12:15**
